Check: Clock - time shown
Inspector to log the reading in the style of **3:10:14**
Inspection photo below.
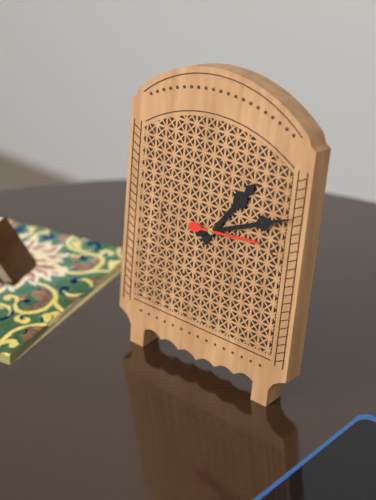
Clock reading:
**1:11:14**
